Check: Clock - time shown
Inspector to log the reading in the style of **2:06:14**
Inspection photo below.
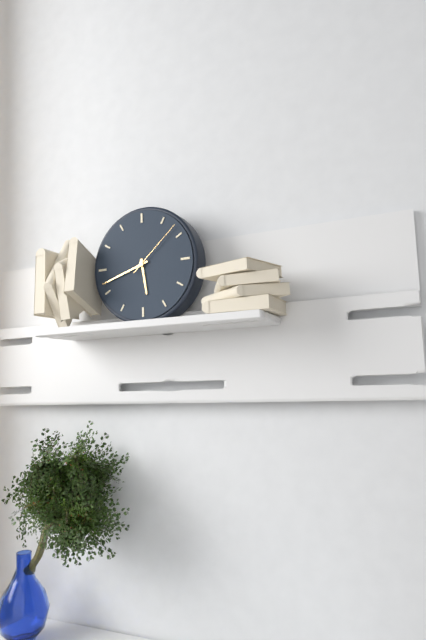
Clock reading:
**5:42:08**
